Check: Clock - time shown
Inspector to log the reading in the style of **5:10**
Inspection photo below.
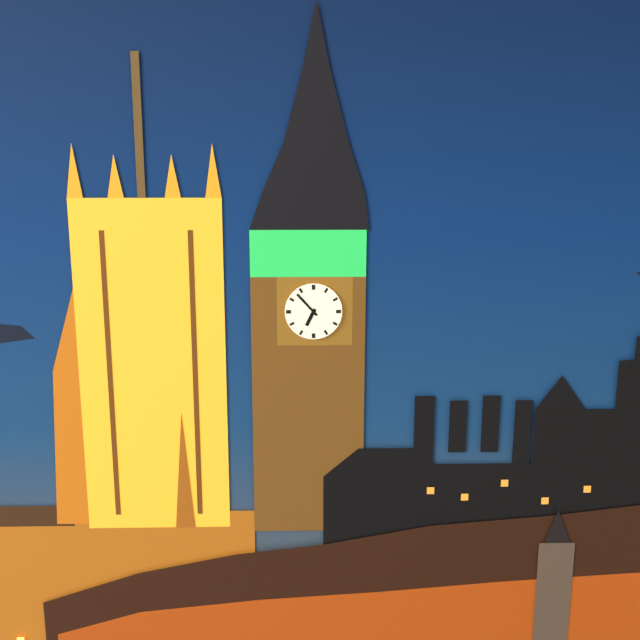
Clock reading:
**6:53**
